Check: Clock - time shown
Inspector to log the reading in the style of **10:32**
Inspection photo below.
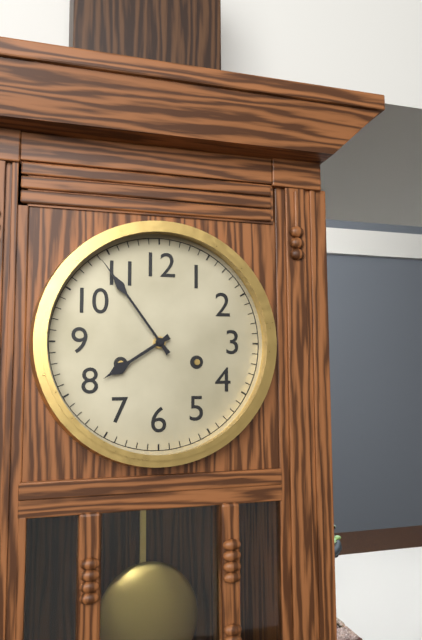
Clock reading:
**7:54**
